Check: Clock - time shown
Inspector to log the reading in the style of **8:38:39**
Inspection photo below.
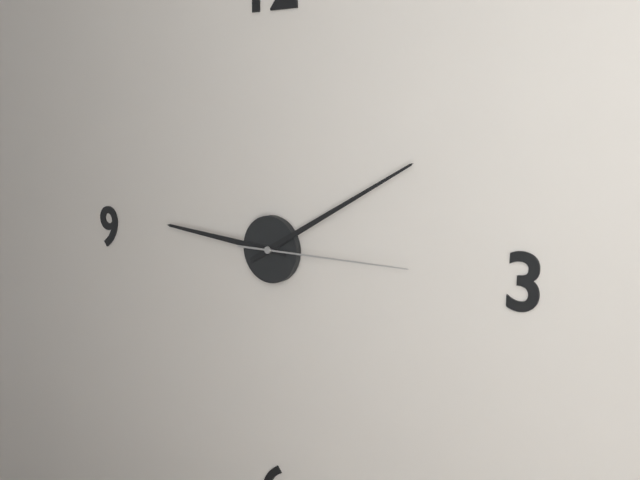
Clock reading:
**9:10:15**
